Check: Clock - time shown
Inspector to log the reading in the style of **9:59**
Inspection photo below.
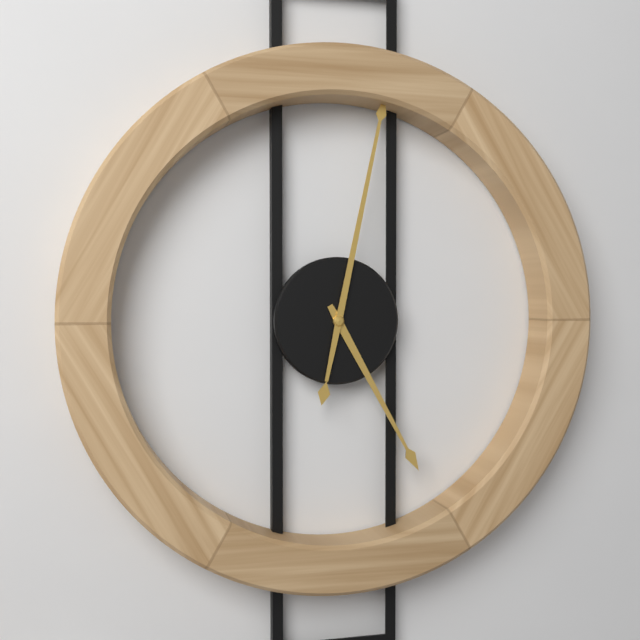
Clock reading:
**5:02**
